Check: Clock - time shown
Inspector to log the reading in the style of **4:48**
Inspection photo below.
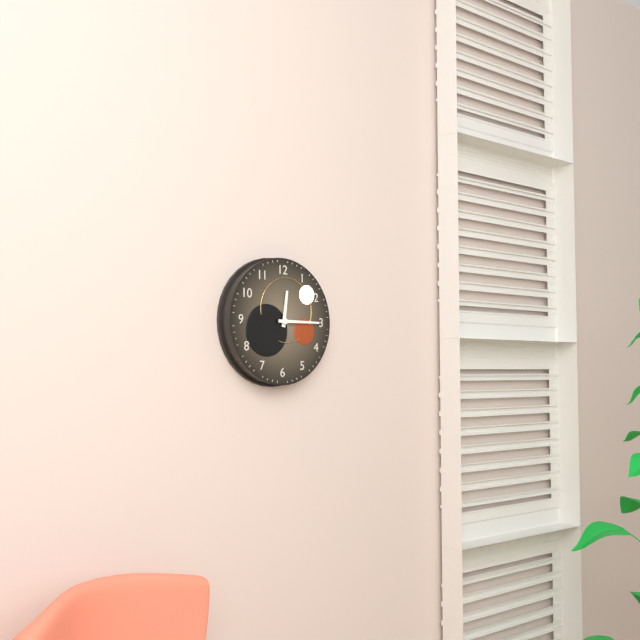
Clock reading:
**12:15**
